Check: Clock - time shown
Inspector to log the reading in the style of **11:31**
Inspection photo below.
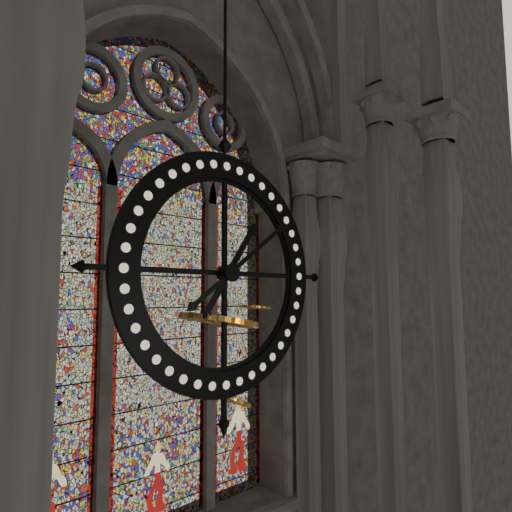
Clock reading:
**1:09**
